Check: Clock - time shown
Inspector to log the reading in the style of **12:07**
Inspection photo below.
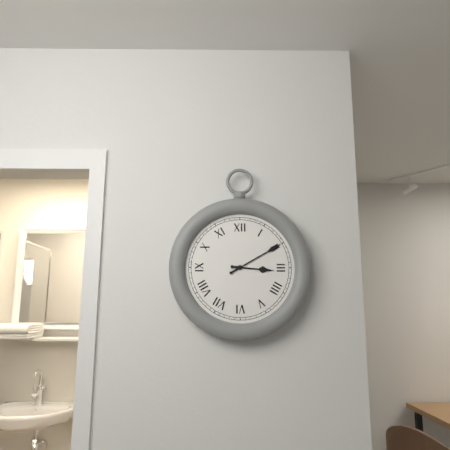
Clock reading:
**3:10**
